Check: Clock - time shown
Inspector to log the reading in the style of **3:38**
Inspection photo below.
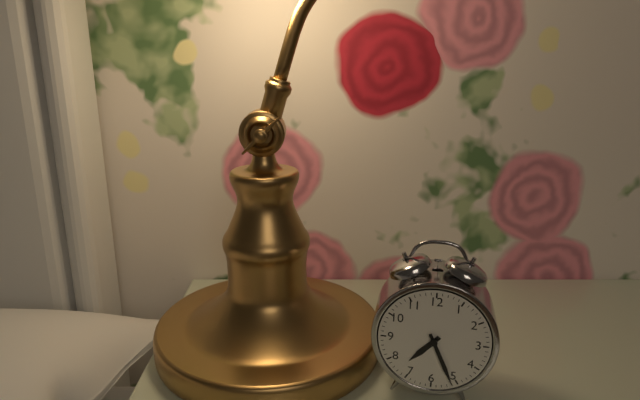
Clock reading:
**7:26**
